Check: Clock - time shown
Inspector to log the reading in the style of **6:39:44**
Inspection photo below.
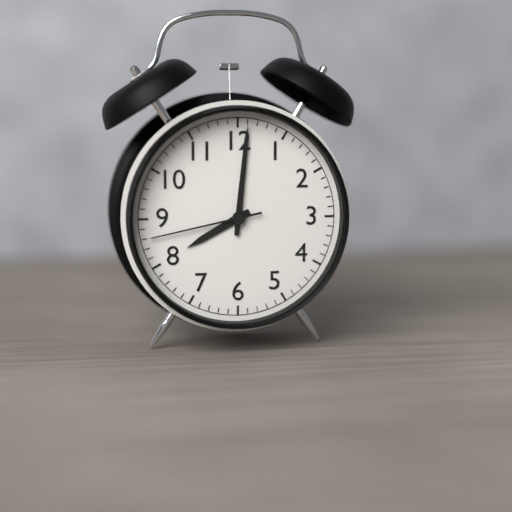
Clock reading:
**8:01:43**
